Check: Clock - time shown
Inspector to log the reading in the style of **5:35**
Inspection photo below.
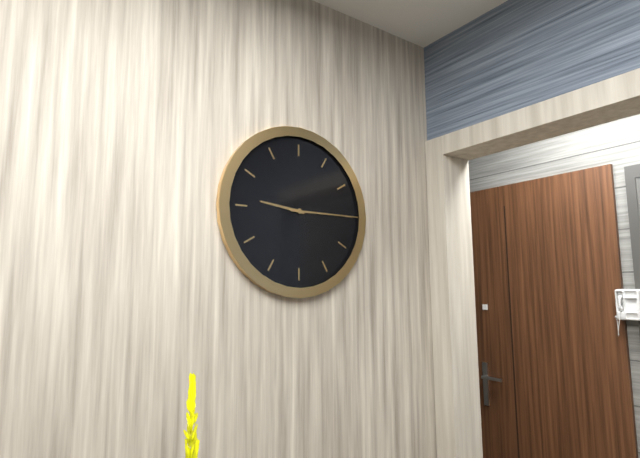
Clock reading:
**9:15**
